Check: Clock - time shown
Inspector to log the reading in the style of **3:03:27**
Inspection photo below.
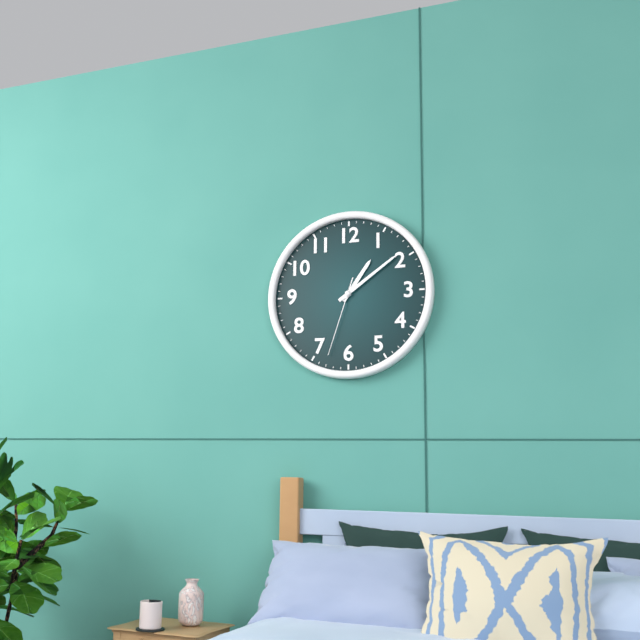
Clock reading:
**1:09:33**
